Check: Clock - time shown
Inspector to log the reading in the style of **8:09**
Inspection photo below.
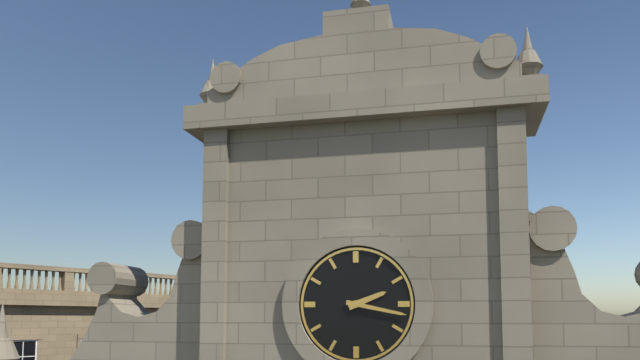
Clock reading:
**2:17**
